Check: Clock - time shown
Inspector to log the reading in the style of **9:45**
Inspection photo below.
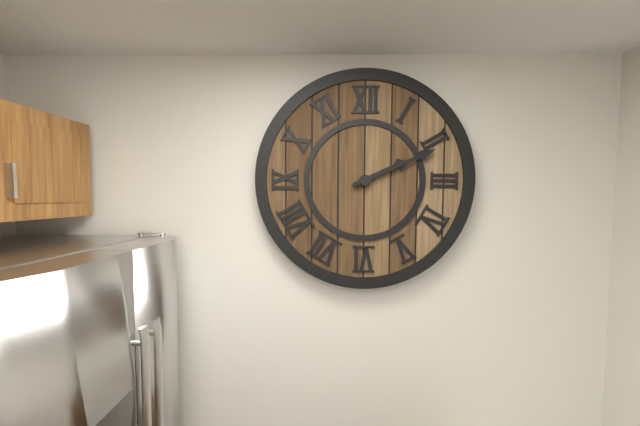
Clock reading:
**2:11**
